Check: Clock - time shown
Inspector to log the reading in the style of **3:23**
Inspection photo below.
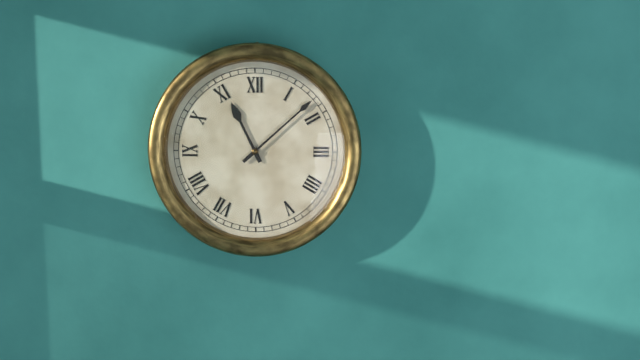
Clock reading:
**11:08**
